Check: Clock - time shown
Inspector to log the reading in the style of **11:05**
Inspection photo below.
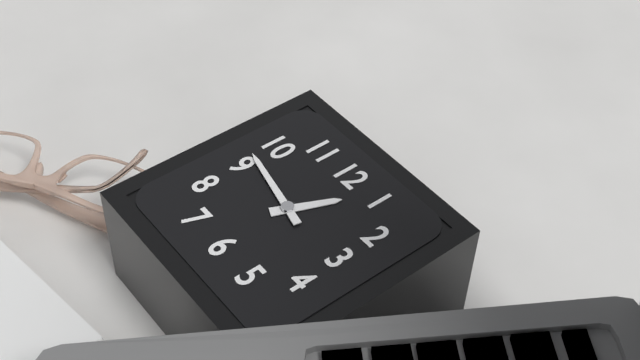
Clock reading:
**12:47**
